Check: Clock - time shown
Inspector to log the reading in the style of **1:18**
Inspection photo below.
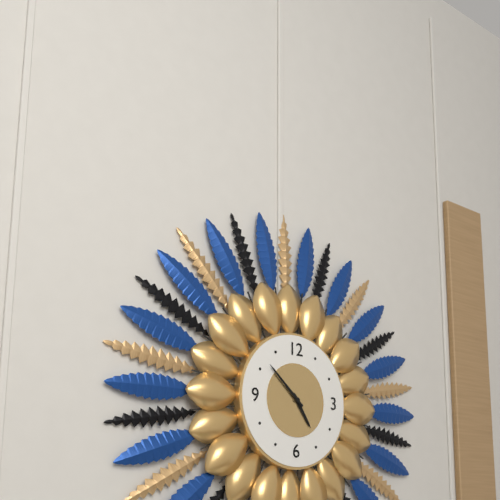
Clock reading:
**4:52**
